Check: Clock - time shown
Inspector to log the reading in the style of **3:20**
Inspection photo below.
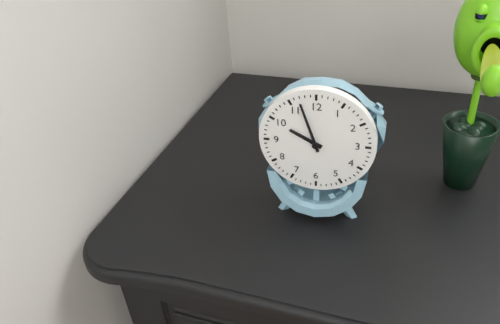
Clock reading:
**9:57**
